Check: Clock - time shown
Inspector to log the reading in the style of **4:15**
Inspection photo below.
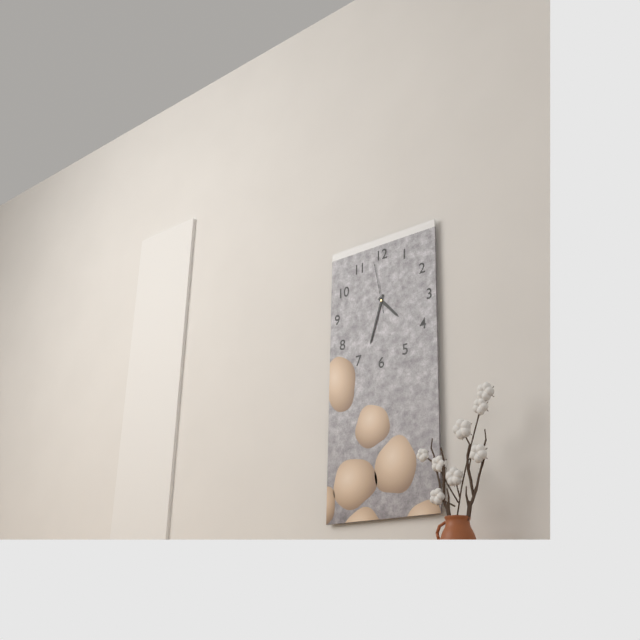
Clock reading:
**4:33**
